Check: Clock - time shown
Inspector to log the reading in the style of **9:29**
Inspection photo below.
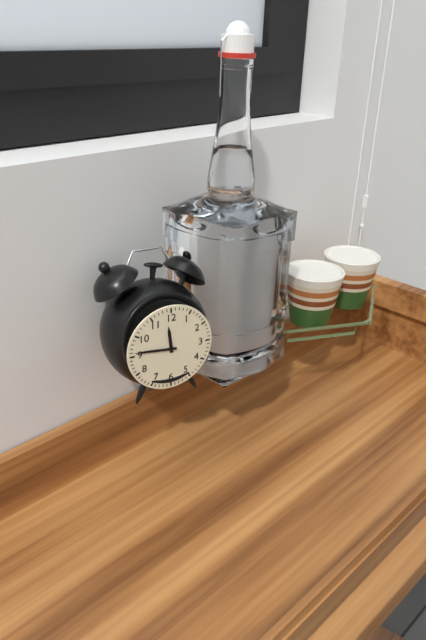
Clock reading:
**11:46**
